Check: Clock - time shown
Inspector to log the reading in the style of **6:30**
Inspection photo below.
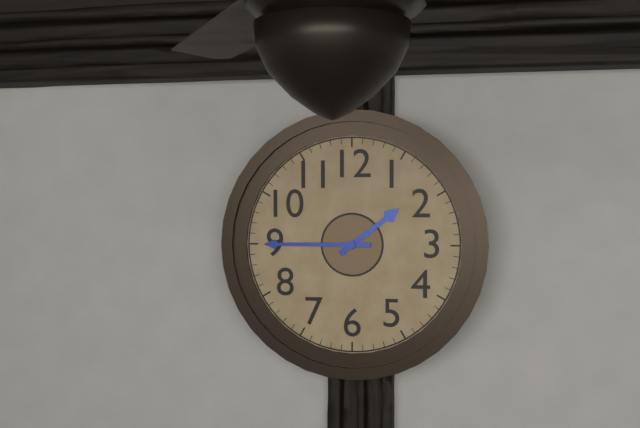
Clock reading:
**1:45**
